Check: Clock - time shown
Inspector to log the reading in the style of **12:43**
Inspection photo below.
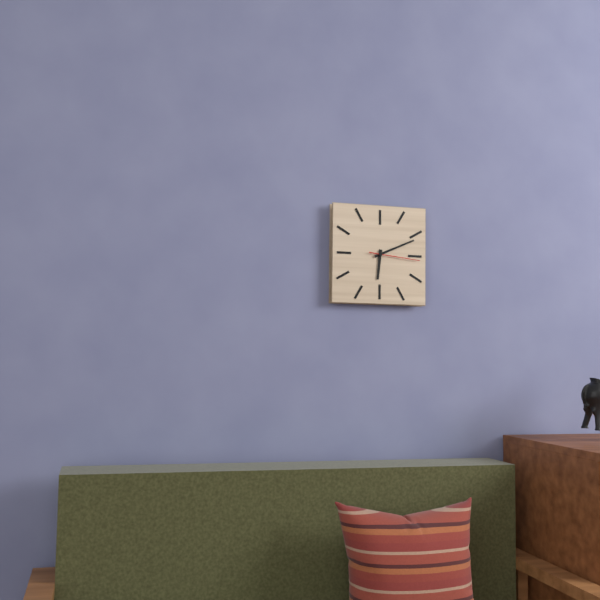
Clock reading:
**6:11**
